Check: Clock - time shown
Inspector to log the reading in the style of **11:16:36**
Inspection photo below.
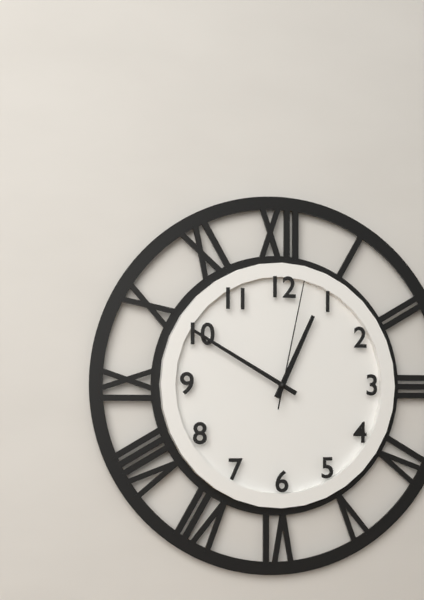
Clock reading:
**12:50:02**
